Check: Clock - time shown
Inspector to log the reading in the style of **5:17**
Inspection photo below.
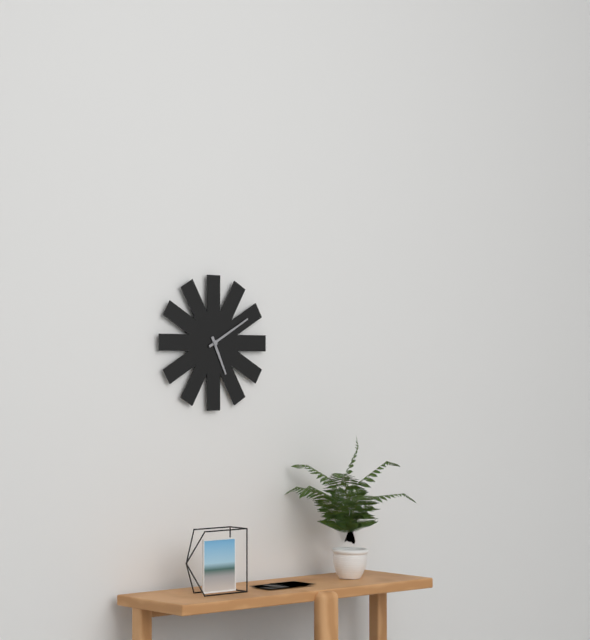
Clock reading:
**5:10**
